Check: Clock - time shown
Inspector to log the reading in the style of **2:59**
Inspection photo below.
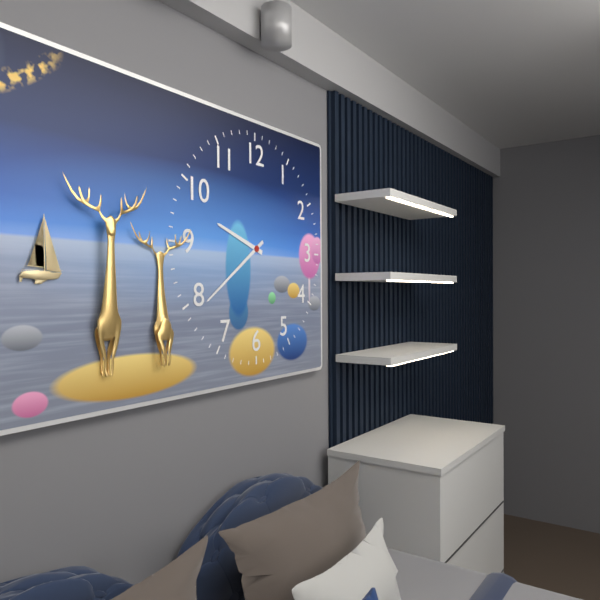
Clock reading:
**9:39**
